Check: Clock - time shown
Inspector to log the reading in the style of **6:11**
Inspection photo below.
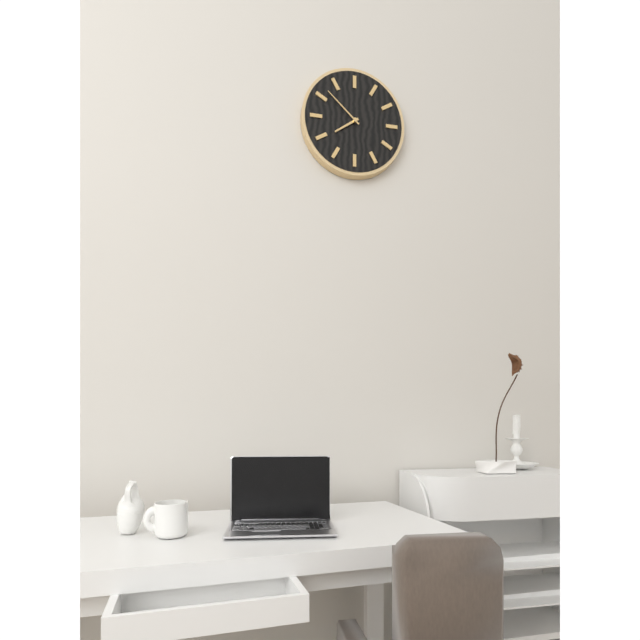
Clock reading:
**7:52**
